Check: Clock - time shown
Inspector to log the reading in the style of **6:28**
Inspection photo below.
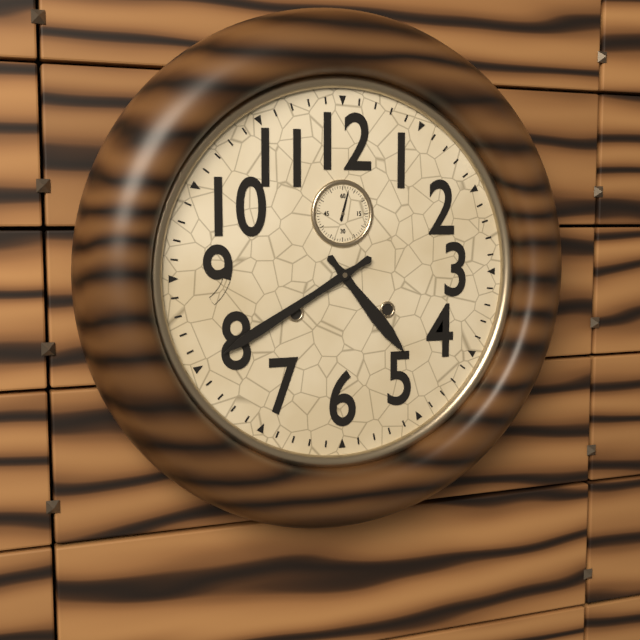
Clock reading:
**4:40**
